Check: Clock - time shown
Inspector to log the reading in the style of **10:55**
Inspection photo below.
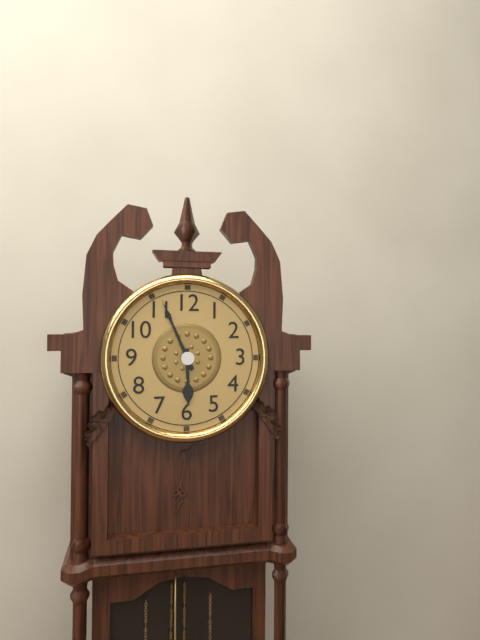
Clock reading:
**5:56**
